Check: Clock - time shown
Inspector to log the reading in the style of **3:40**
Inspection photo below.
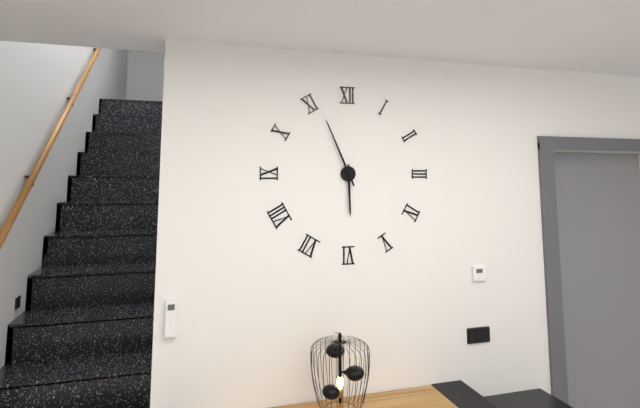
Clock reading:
**5:56**
